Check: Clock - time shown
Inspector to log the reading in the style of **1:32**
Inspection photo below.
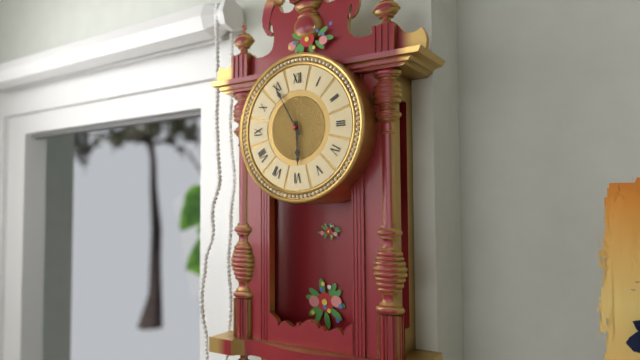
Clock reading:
**5:55**
